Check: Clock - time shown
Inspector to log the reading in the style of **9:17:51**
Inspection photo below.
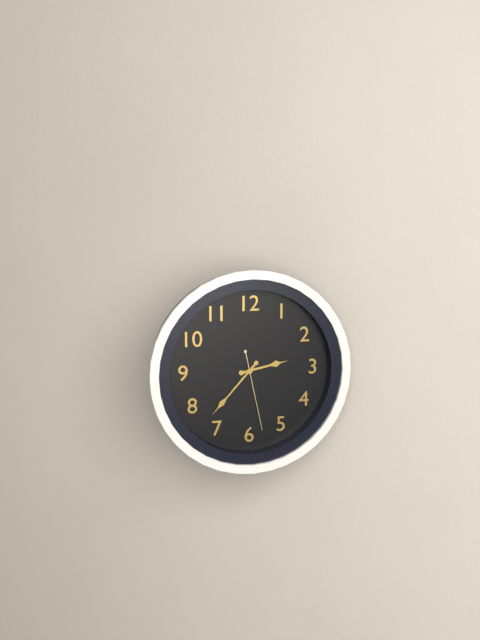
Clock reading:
**2:37:28**
